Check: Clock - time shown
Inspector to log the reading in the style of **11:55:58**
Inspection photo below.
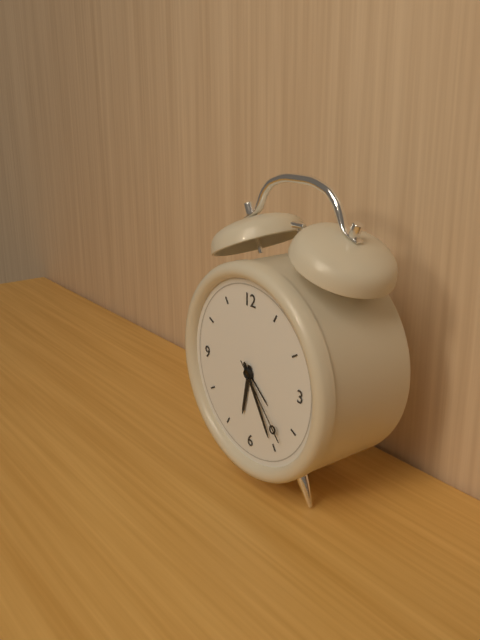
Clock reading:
**6:25:23**
